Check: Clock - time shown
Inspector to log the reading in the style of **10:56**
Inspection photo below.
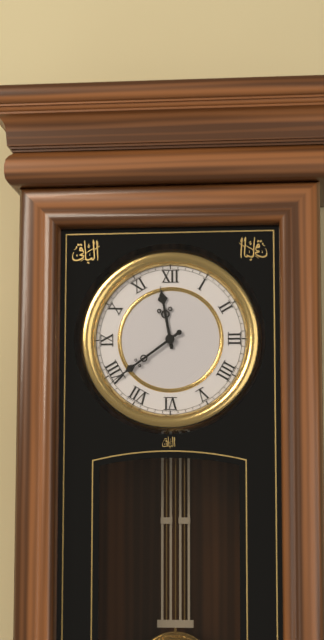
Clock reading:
**11:39**
